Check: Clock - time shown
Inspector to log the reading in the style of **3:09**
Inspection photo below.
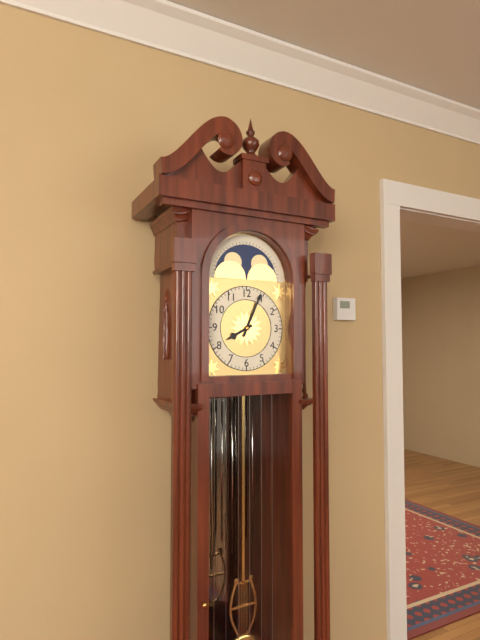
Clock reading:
**8:04**
